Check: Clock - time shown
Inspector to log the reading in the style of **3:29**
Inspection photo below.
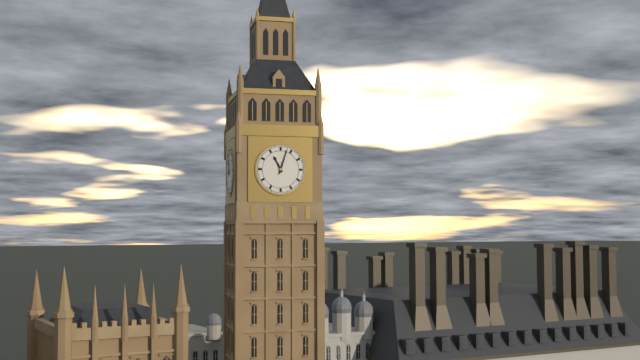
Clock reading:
**11:03**
